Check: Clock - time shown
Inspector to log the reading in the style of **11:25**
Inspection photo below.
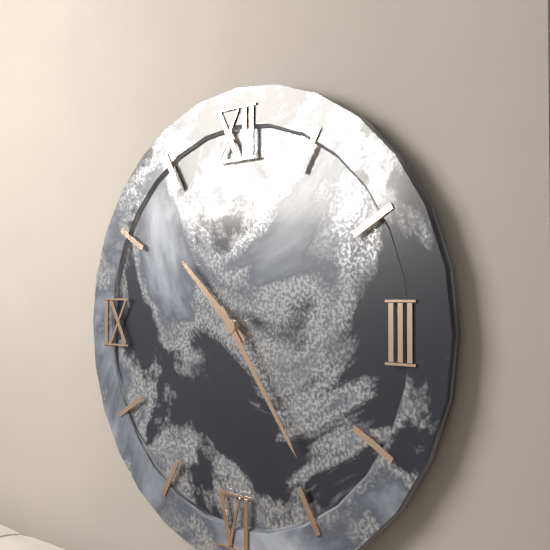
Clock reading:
**10:24**
